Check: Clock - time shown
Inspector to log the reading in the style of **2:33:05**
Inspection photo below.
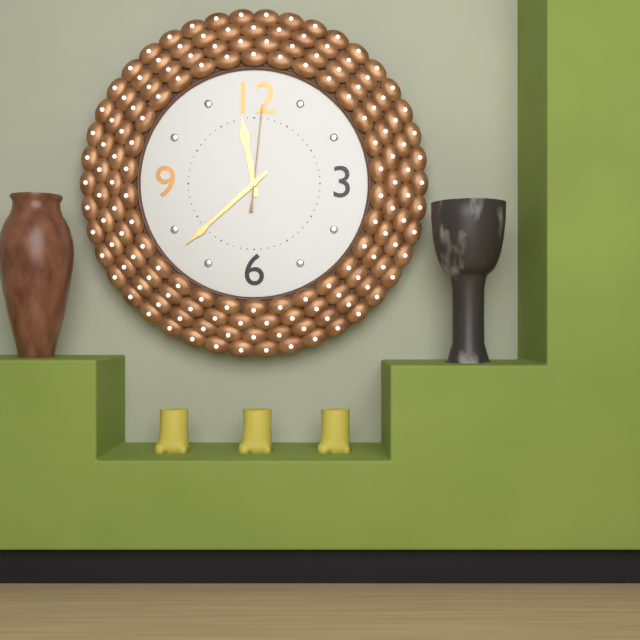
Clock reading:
**11:38:01**
